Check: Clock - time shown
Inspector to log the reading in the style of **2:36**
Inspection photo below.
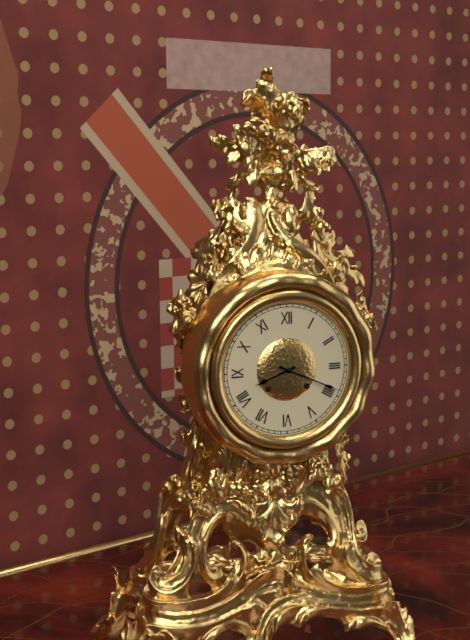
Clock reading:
**8:19**
